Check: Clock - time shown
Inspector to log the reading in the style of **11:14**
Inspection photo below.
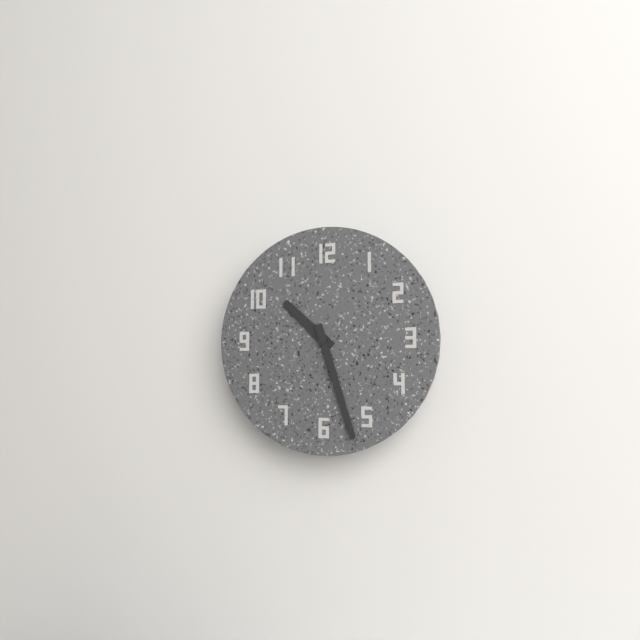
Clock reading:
**10:27**
